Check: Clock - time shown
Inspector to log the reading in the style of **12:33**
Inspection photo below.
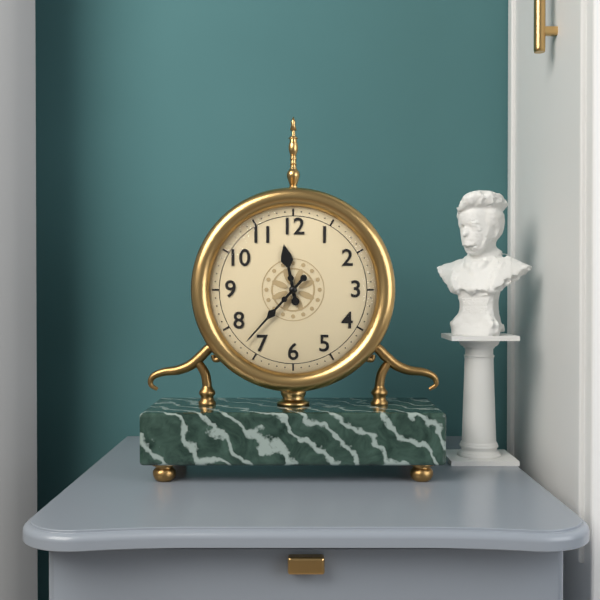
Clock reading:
**11:37**
